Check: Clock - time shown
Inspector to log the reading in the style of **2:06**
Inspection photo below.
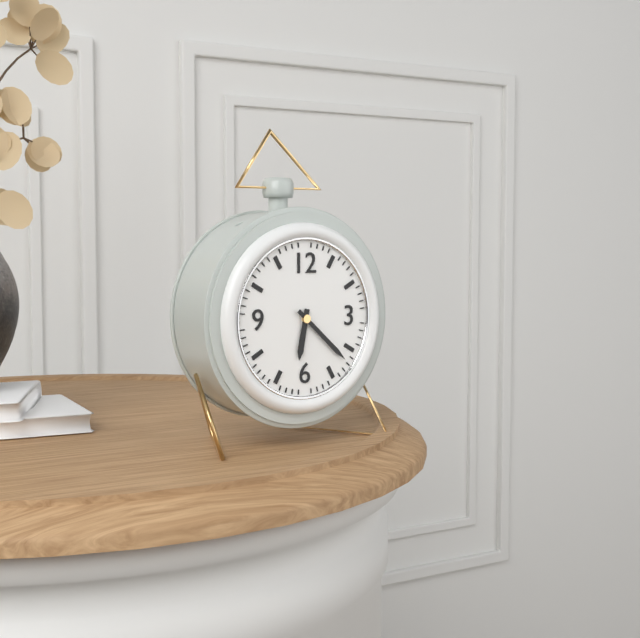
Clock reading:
**6:22**
